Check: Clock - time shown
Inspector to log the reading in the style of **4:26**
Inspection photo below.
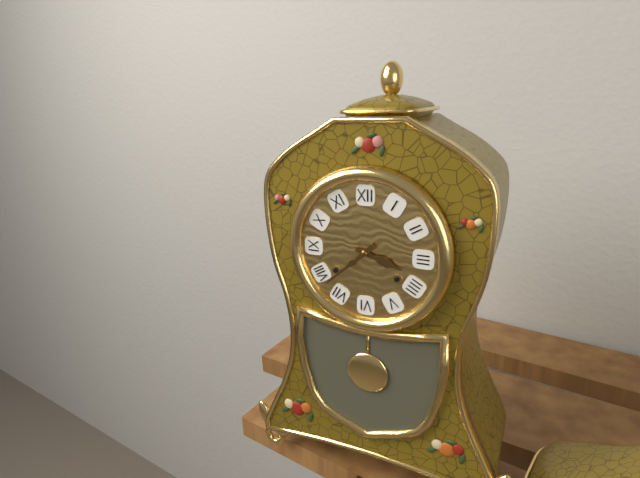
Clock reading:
**3:38**
